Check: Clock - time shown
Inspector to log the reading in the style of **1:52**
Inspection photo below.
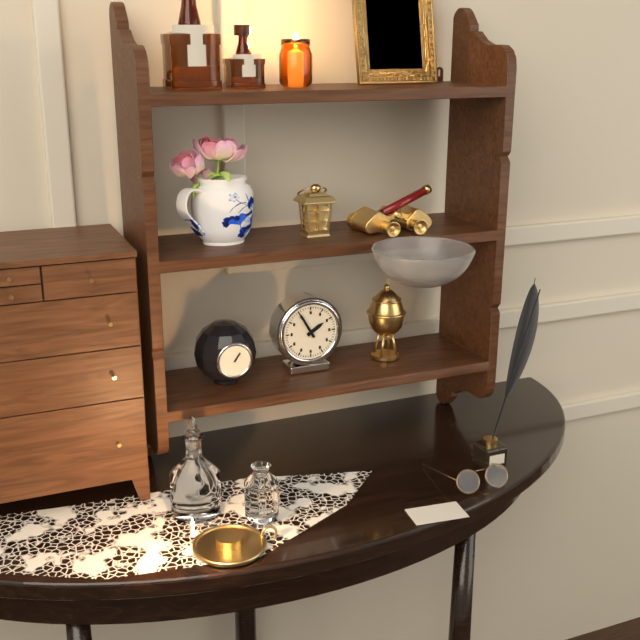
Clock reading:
**1:55**
